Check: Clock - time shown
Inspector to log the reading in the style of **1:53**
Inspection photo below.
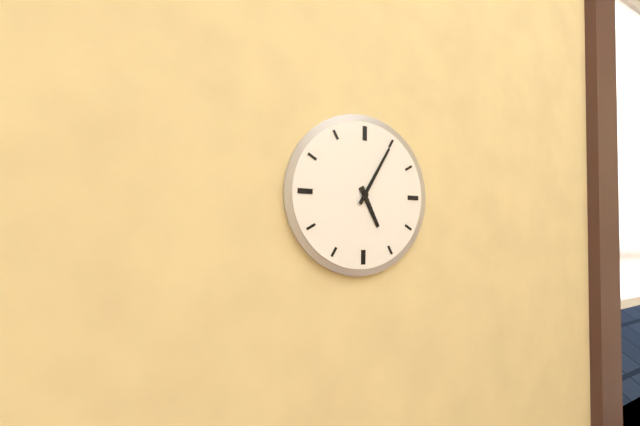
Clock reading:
**5:05**
